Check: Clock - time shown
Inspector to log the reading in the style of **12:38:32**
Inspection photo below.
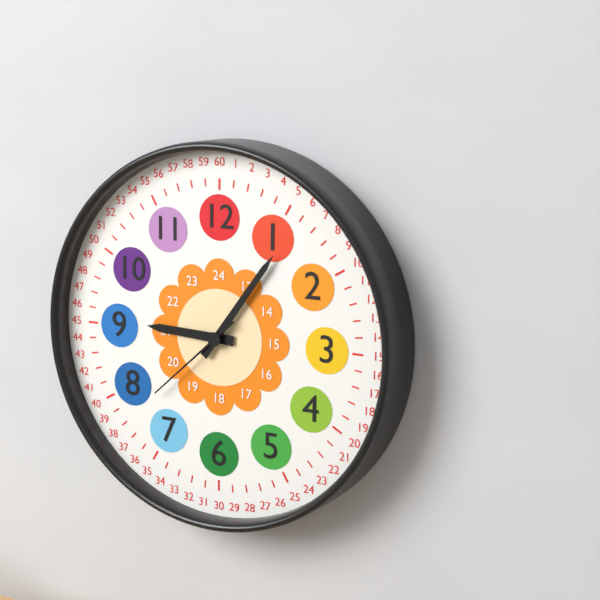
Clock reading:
**9:06:38**
